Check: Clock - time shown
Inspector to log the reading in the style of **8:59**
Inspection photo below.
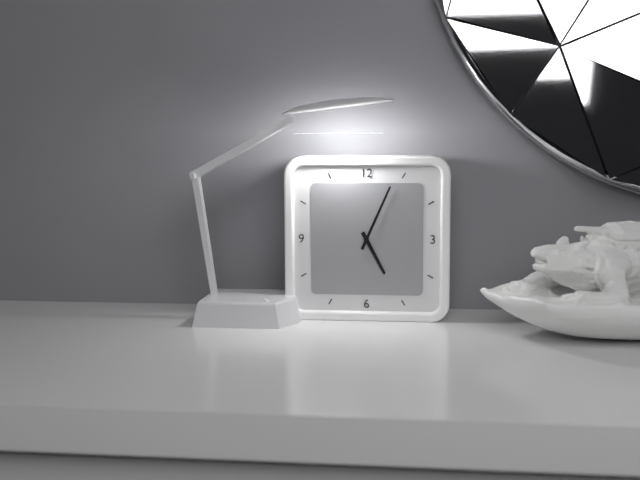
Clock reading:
**5:04**
